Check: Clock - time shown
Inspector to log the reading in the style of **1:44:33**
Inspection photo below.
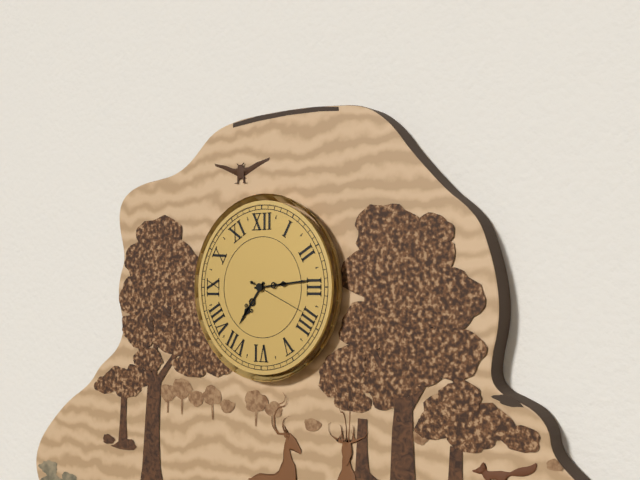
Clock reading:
**7:14:19**
